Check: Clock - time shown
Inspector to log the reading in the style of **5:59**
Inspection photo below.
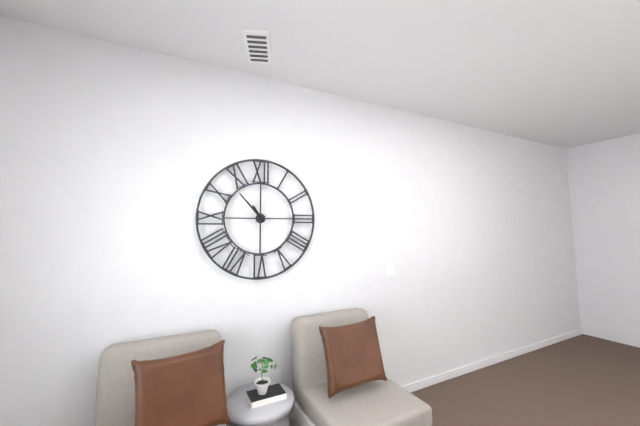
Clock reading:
**10:53**
